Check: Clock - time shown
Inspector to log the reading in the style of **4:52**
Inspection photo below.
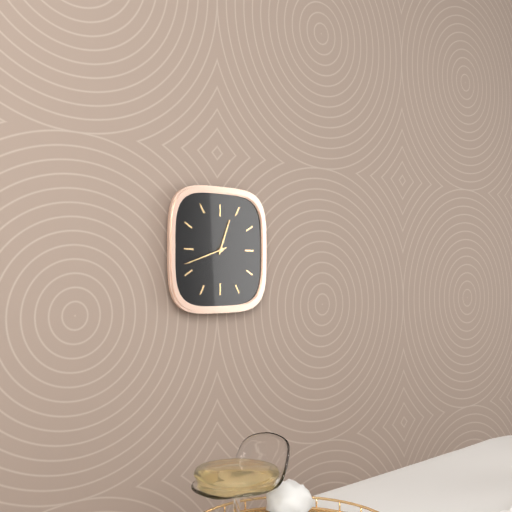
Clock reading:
**12:42**
